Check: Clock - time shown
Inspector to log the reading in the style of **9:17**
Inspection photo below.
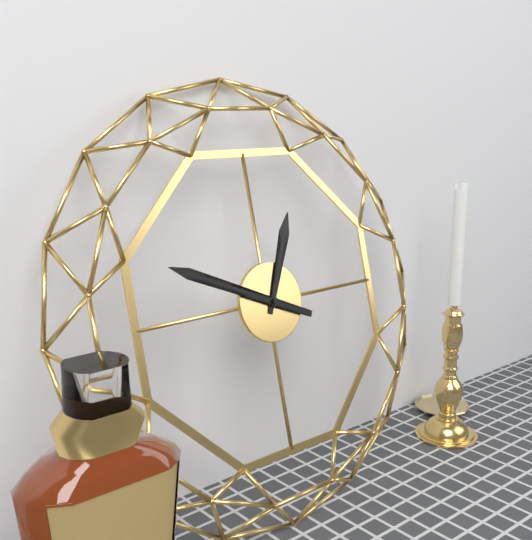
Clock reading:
**12:49**
